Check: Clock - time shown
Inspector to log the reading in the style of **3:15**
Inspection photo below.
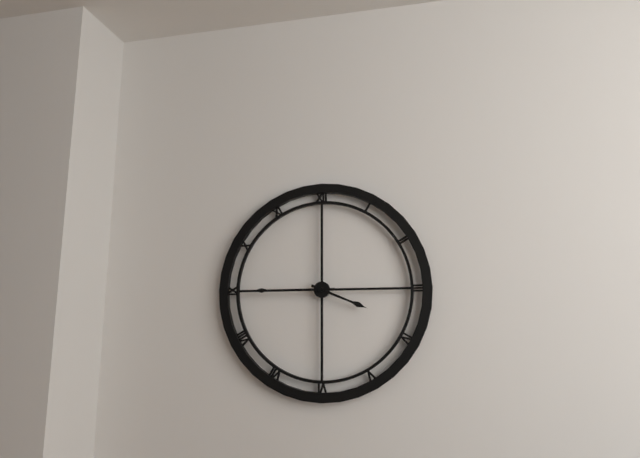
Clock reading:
**3:45**
